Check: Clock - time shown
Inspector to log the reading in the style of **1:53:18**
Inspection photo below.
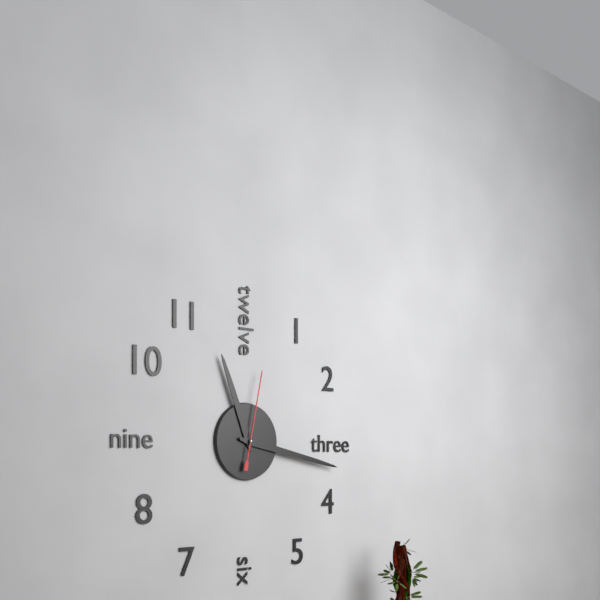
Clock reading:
**11:17:02**
